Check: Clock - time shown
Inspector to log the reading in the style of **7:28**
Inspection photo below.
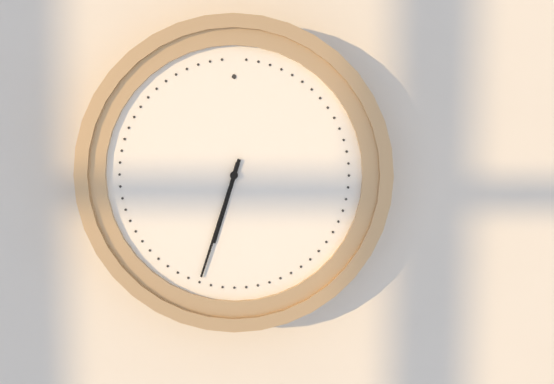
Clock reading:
**6:33**
